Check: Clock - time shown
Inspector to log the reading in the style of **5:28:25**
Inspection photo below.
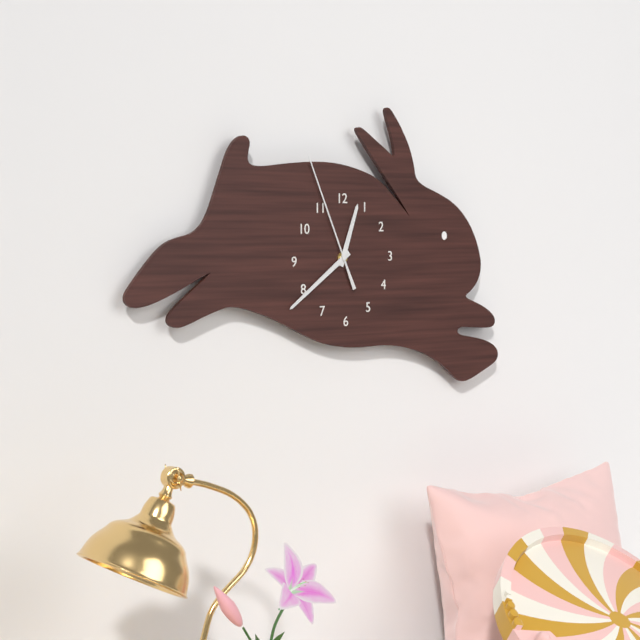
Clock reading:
**12:39:56**
